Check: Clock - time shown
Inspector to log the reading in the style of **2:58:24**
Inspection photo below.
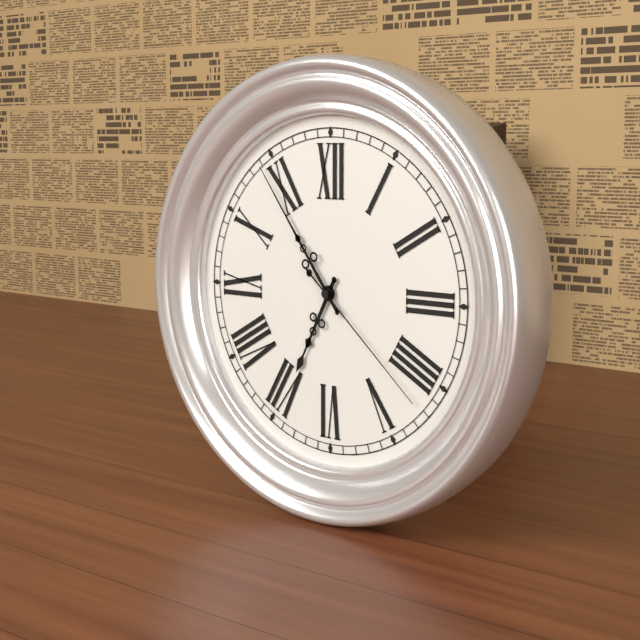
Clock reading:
**6:54:22**
